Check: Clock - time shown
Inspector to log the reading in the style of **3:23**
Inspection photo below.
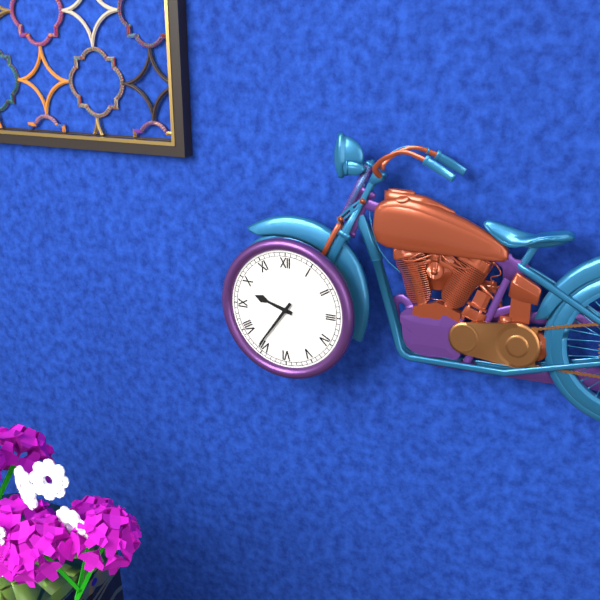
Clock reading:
**9:36**
